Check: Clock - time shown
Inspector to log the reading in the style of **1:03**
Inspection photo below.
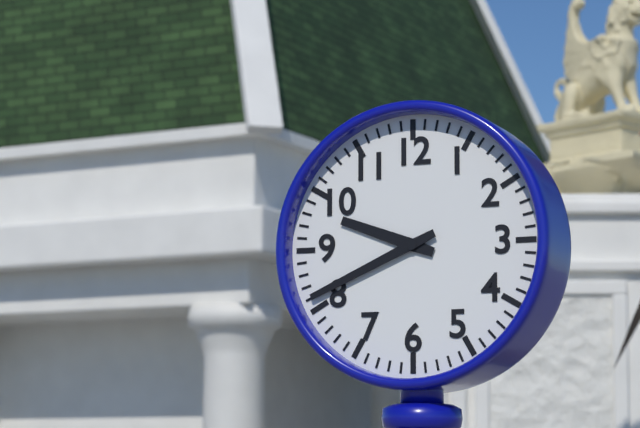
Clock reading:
**9:41**
